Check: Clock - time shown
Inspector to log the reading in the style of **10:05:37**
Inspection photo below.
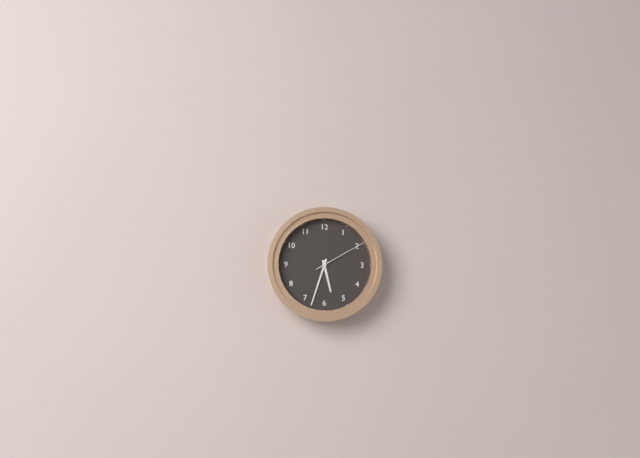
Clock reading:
**5:33:10**
